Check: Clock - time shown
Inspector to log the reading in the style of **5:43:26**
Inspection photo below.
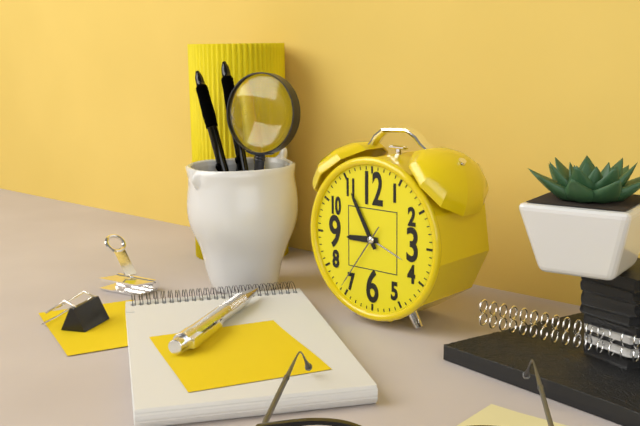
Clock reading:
**8:55:36**
